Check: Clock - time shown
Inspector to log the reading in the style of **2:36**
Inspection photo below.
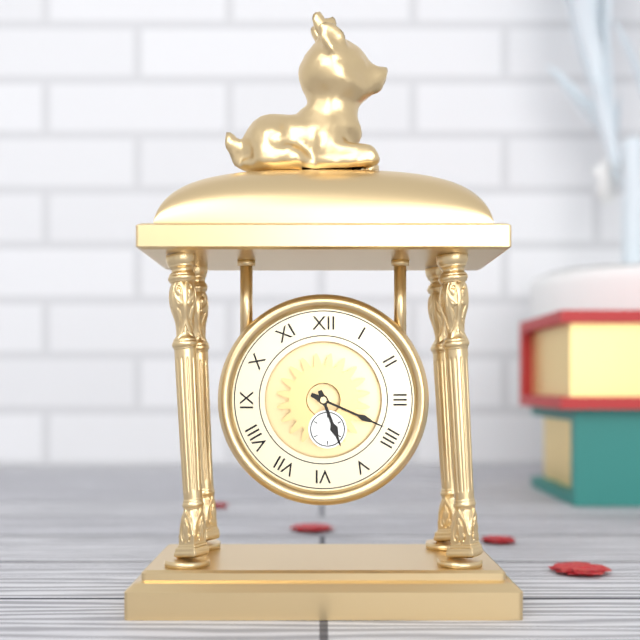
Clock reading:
**5:19**
